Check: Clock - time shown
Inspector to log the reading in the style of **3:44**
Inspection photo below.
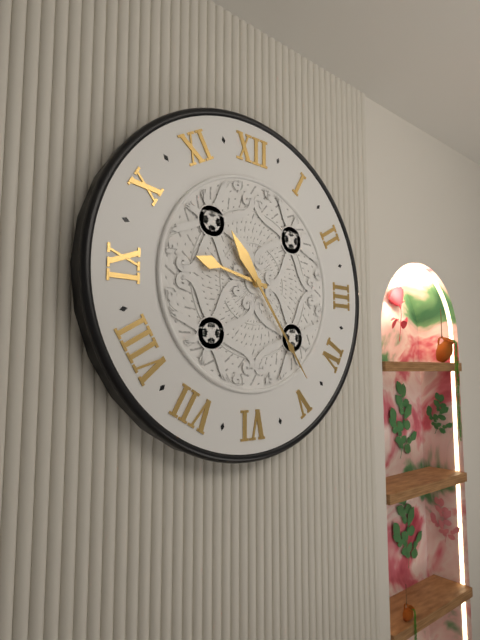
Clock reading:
**9:24**
